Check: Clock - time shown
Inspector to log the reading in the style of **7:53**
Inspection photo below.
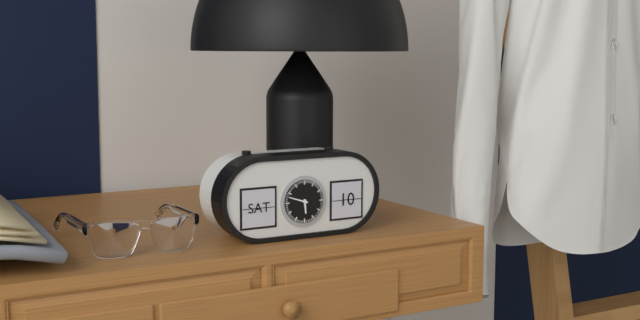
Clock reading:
**5:48**
